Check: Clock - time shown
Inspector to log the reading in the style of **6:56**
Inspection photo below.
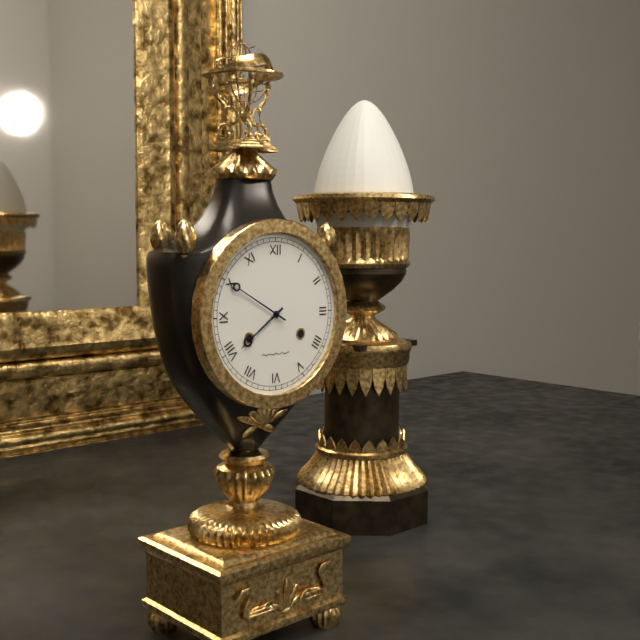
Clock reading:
**7:50**
